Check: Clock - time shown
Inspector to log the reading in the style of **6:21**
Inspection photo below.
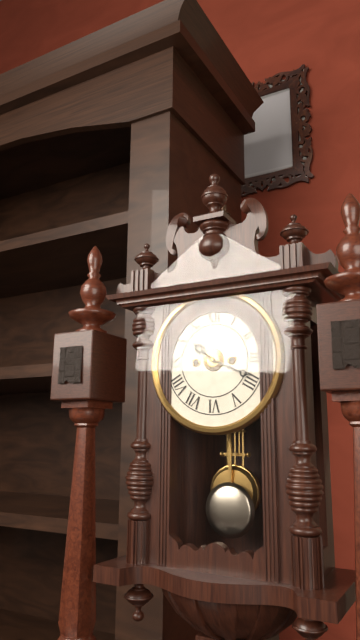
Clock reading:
**10:19**
